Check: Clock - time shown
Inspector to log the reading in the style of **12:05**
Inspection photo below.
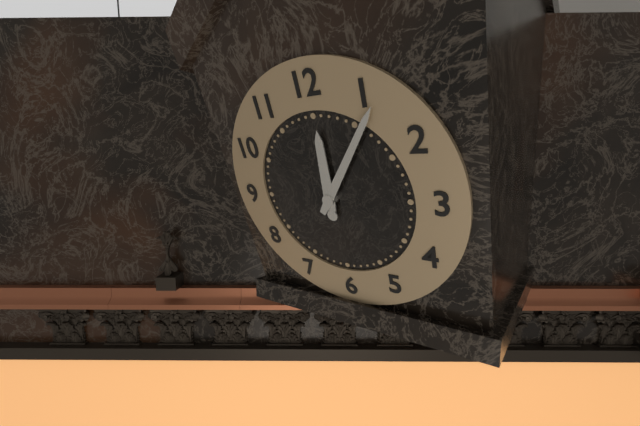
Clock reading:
**12:06**
